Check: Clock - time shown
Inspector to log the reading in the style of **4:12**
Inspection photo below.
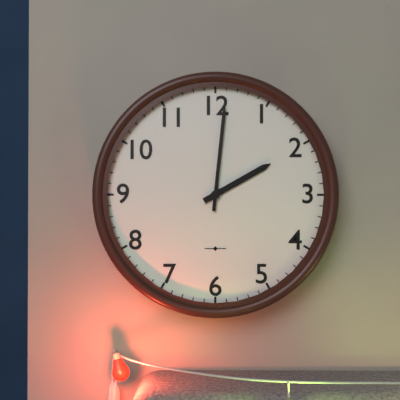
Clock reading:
**2:01**
